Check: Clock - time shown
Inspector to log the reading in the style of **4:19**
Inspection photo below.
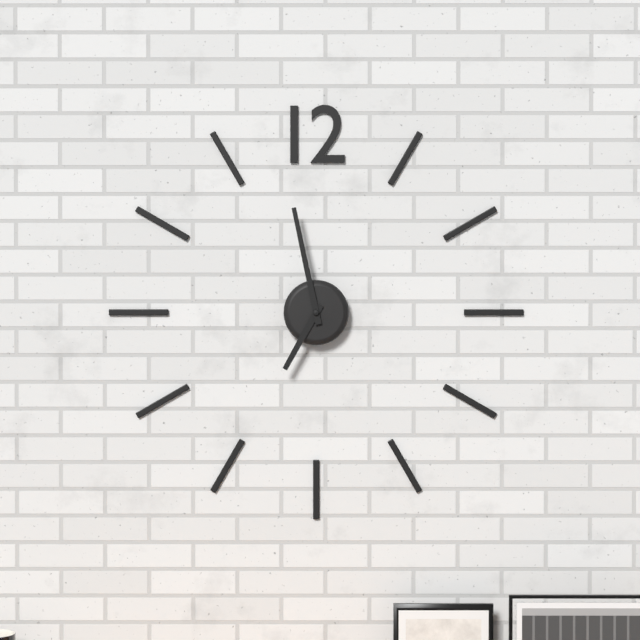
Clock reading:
**6:58**
